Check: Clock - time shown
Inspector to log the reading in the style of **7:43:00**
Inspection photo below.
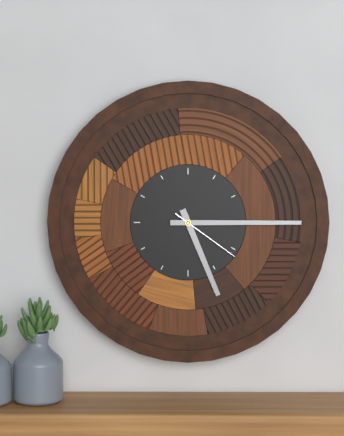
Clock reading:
**5:15:21**
